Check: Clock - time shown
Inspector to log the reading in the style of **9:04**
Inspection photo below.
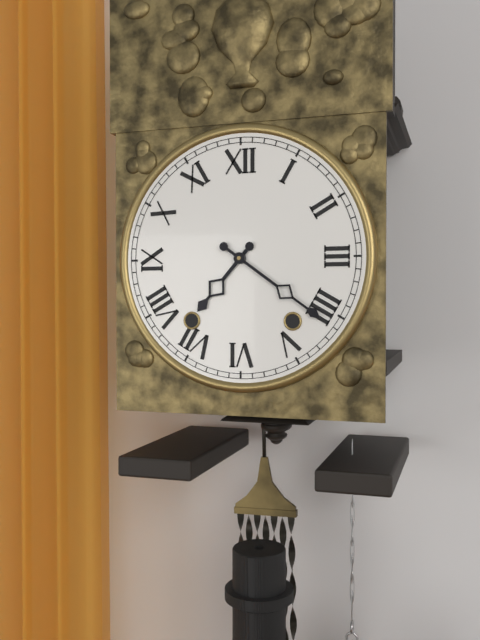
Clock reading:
**7:21**
